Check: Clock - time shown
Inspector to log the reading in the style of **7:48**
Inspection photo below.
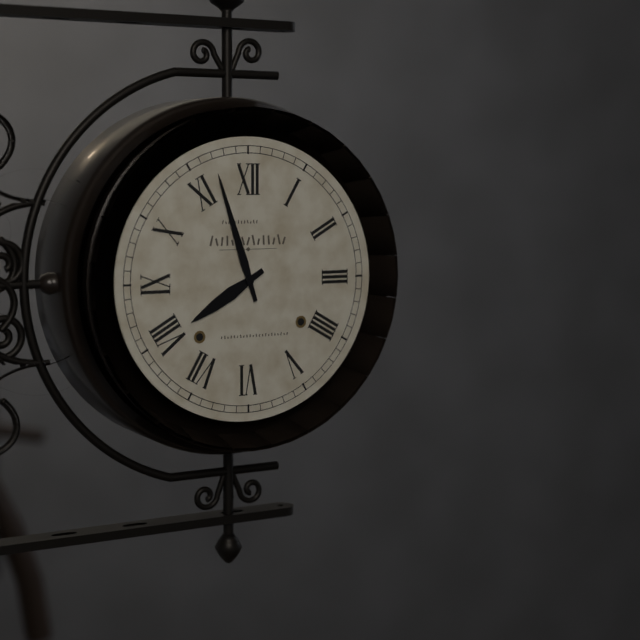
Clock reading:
**7:57**
